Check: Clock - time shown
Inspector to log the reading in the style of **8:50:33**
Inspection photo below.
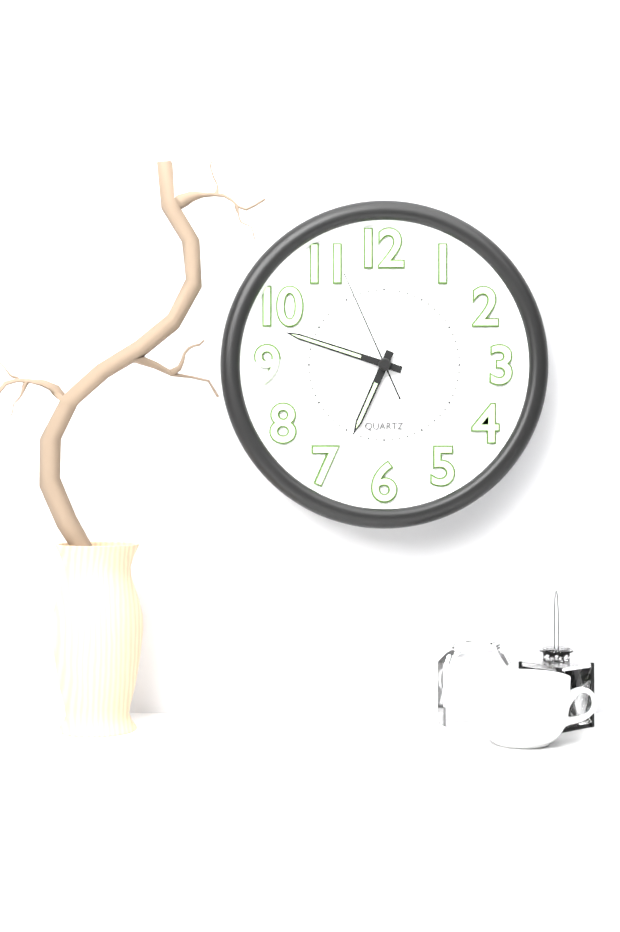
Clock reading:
**6:48:56**
